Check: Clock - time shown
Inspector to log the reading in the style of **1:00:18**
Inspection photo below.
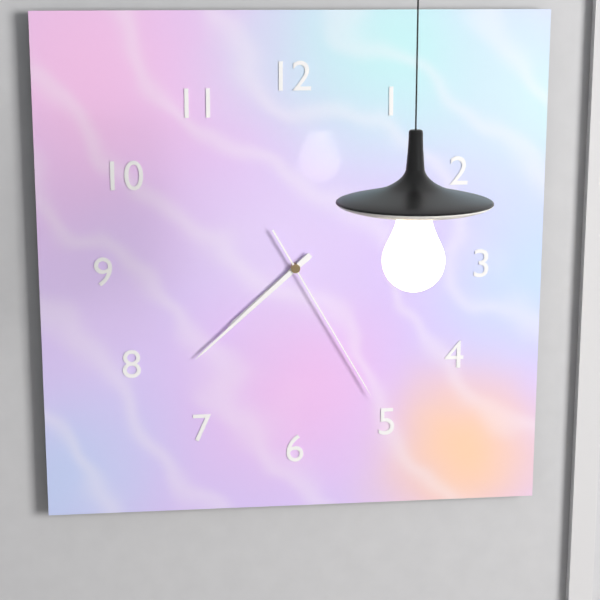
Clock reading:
**7:38:25**
